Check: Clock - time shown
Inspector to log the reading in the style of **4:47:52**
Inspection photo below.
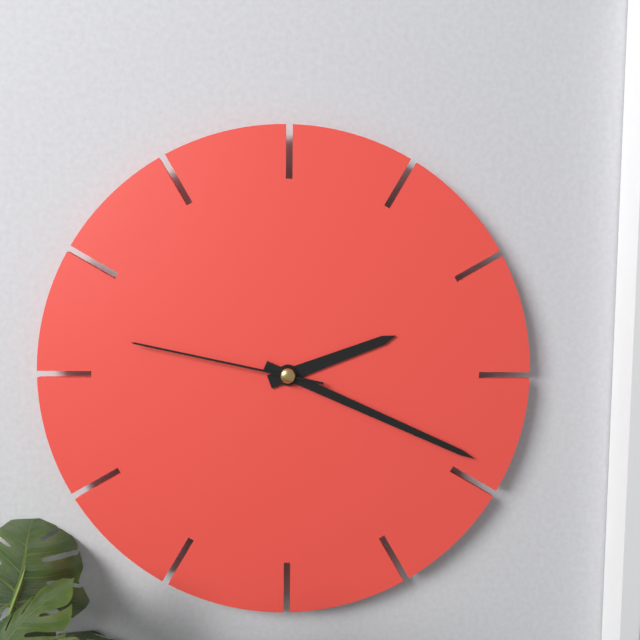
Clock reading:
**2:19:47**
